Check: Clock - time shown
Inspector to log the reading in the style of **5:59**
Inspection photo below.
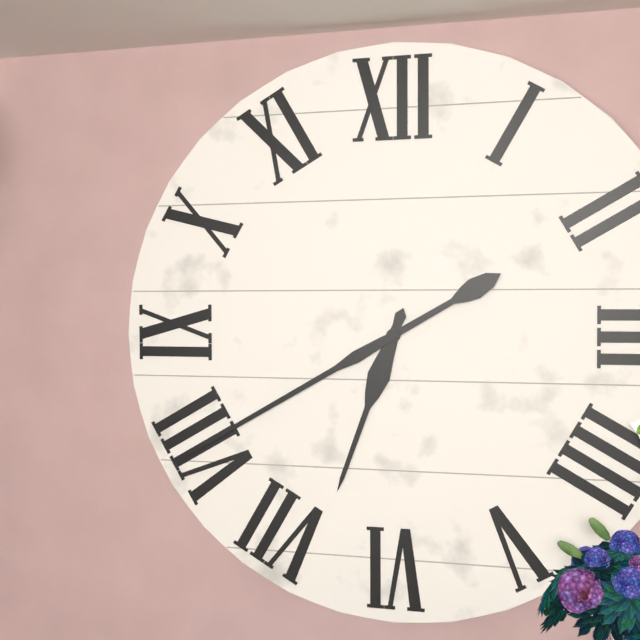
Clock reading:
**6:40**
